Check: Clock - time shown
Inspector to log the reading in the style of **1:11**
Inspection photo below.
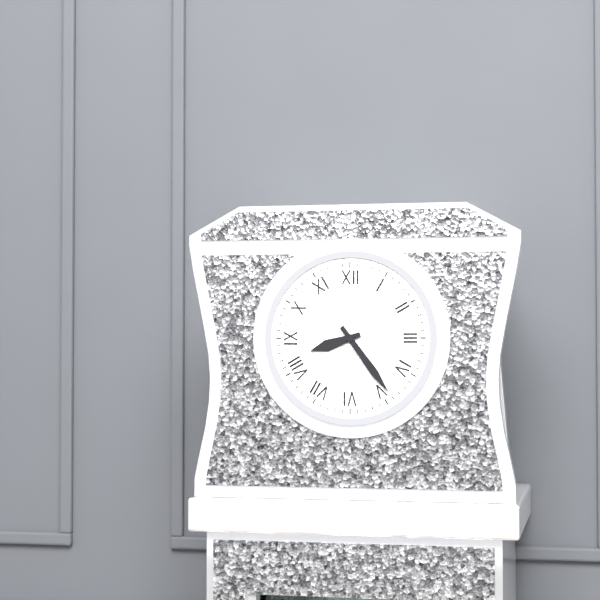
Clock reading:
**8:24**
